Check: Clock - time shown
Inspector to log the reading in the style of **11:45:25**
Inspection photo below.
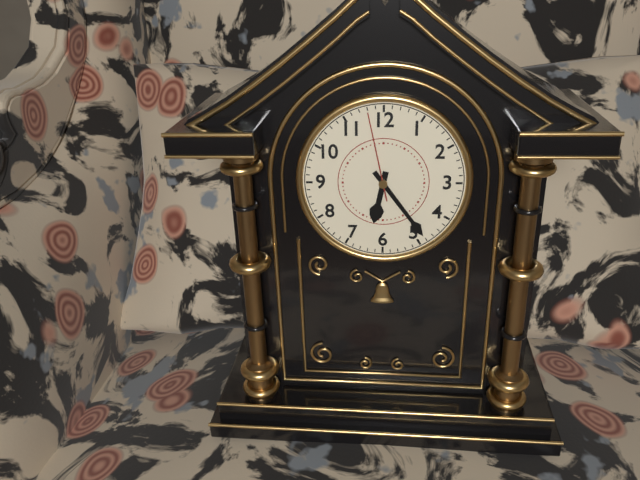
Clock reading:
**6:24:58**
